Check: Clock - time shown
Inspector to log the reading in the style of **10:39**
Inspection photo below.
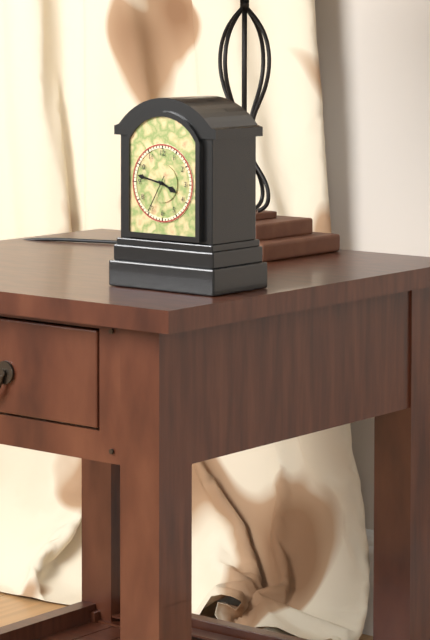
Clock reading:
**3:47**
